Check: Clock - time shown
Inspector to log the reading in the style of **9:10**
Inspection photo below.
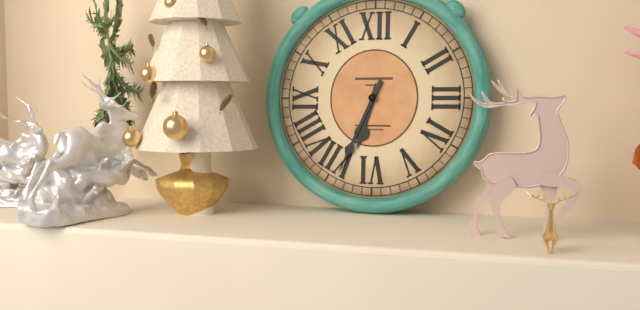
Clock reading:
**6:34**
